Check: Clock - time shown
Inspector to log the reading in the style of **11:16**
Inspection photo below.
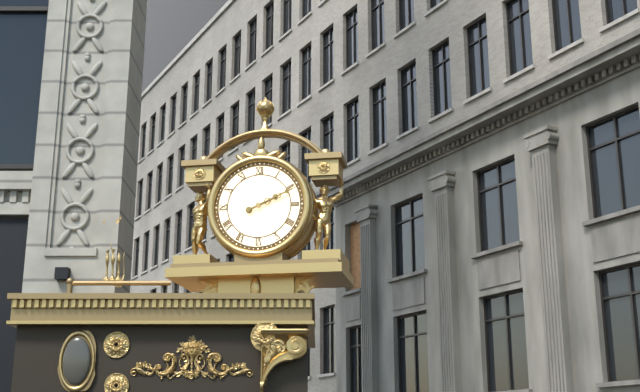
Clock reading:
**2:11**
